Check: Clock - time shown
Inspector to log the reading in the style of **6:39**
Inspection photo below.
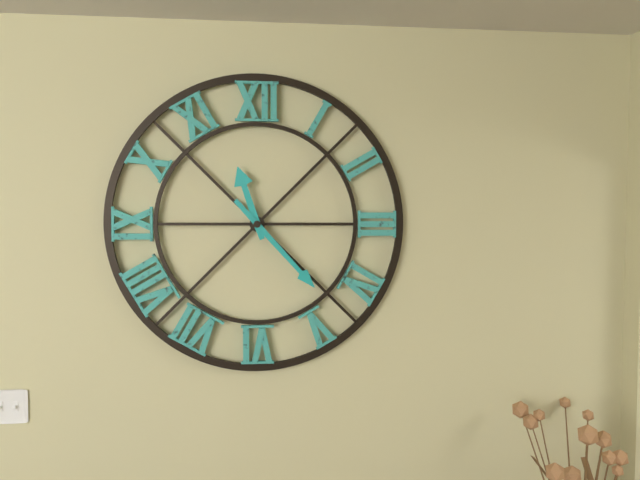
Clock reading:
**11:23**
